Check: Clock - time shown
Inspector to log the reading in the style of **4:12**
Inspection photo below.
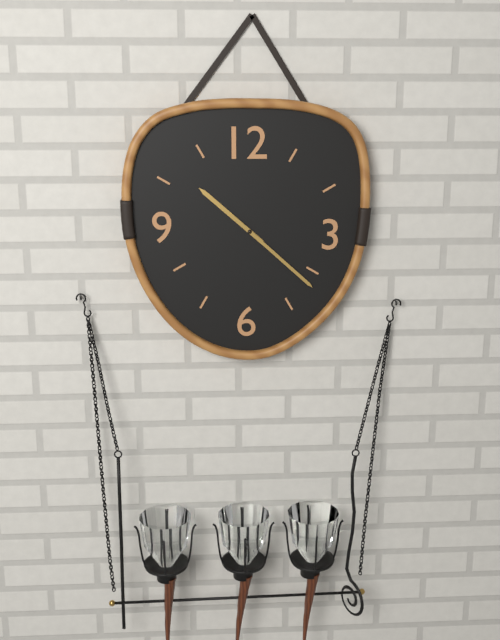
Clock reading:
**10:22**
